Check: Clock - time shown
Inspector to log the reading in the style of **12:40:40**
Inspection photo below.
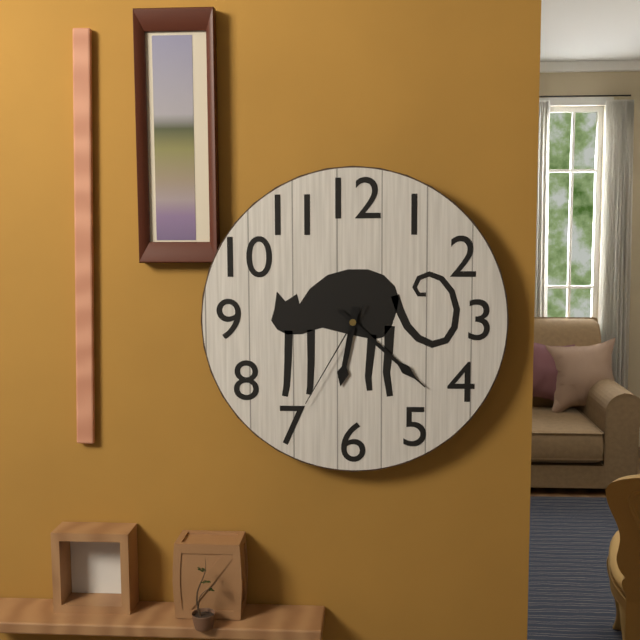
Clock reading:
**6:22:35**
